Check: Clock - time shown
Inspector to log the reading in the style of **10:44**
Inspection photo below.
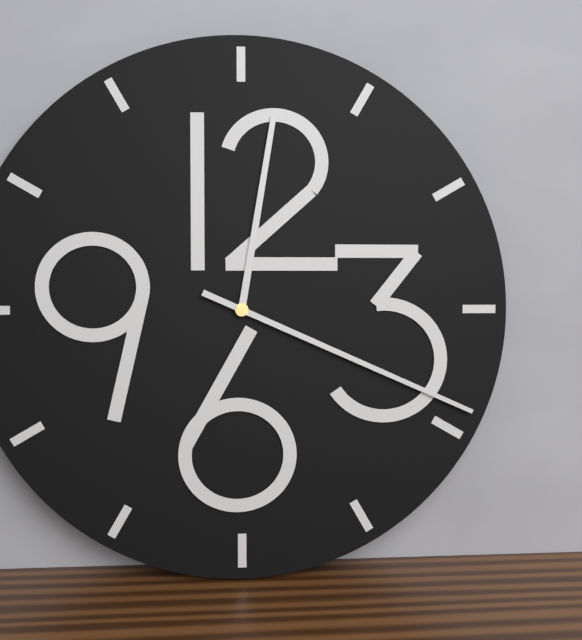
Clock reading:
**12:19**
